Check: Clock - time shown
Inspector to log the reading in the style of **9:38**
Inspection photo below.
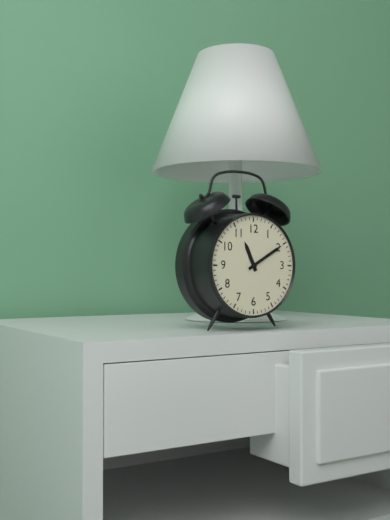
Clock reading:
**11:10**
